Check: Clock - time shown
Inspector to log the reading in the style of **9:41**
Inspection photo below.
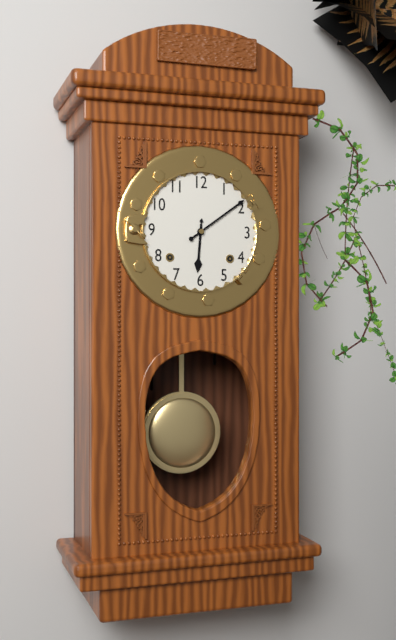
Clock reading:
**6:09**
